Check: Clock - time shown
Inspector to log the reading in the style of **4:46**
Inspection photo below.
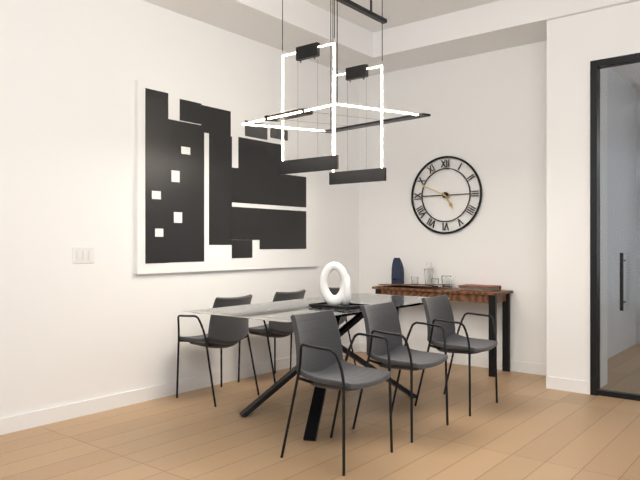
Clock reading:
**4:49**
